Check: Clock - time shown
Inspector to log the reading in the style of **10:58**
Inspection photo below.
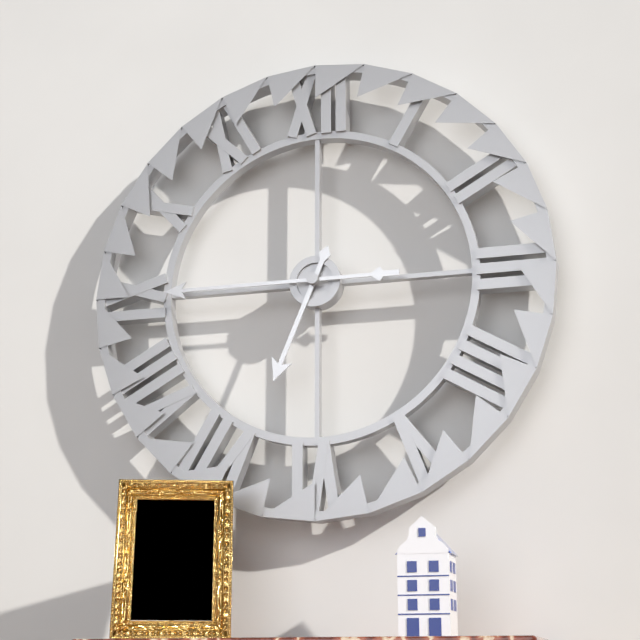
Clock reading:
**6:45**
